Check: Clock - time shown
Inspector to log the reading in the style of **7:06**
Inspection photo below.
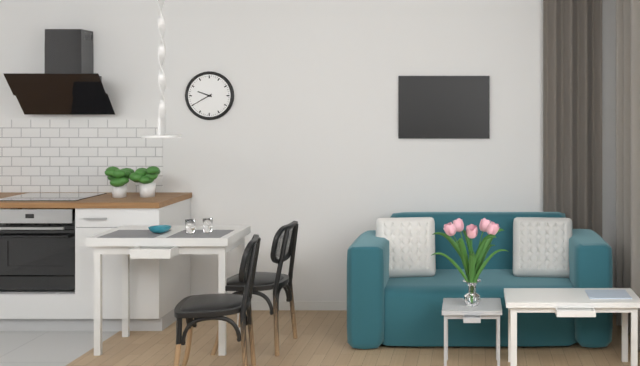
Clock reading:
**9:40**
